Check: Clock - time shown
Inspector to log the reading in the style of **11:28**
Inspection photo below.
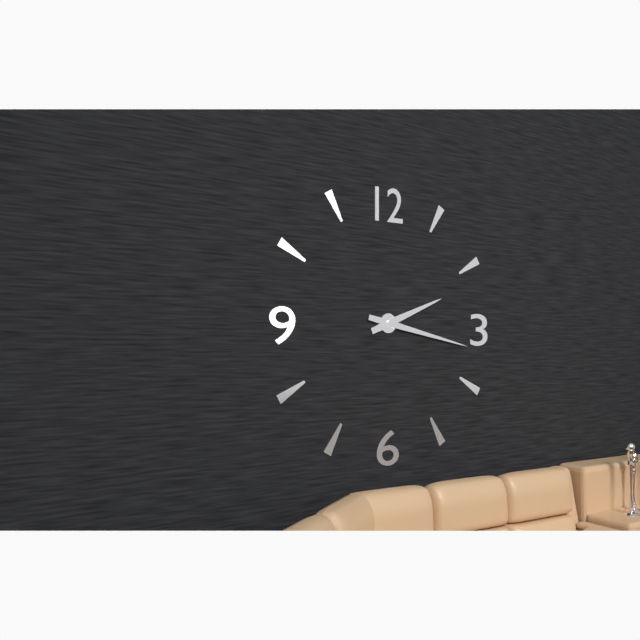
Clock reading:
**2:17**
